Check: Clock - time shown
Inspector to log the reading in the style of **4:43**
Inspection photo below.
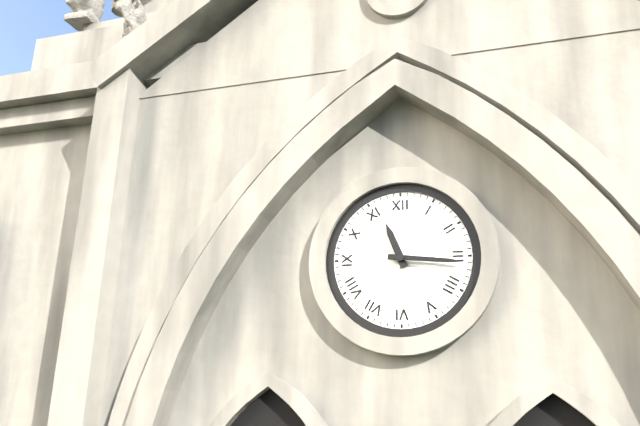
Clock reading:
**11:16**
